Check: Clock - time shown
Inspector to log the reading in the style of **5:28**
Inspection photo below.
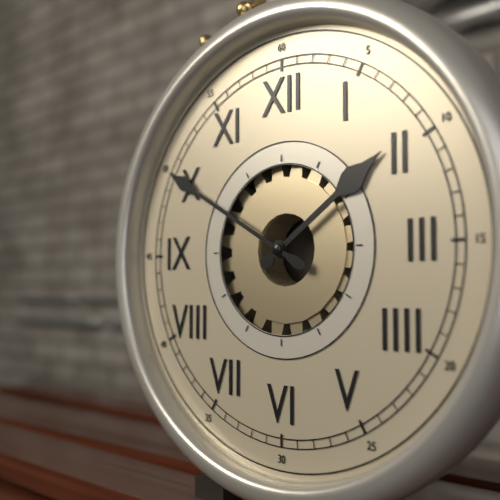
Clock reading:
**1:50**
